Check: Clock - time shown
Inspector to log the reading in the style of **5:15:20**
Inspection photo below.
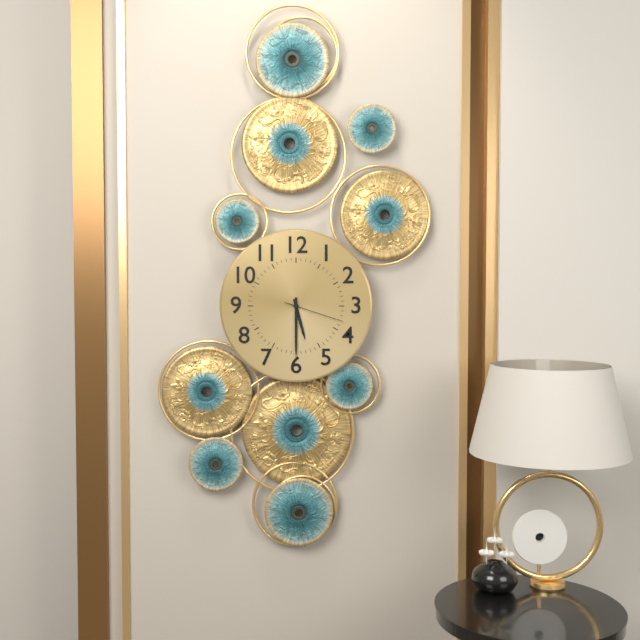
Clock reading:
**5:30:18**
